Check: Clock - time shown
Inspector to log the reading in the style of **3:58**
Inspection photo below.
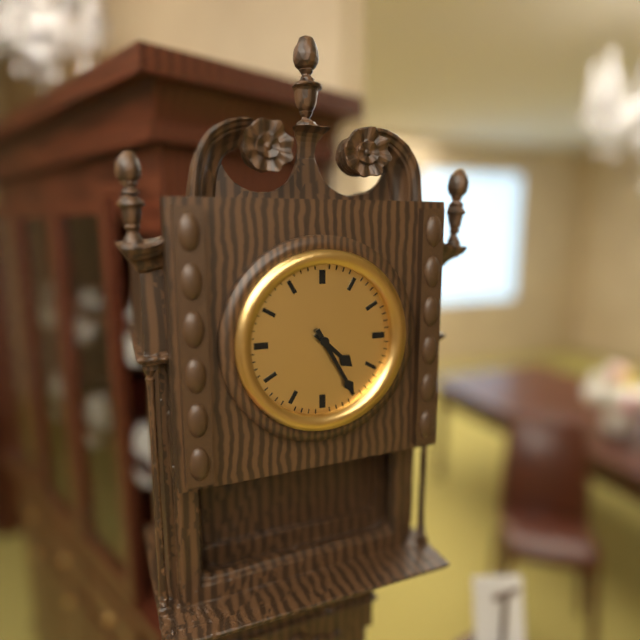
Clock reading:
**4:25**
